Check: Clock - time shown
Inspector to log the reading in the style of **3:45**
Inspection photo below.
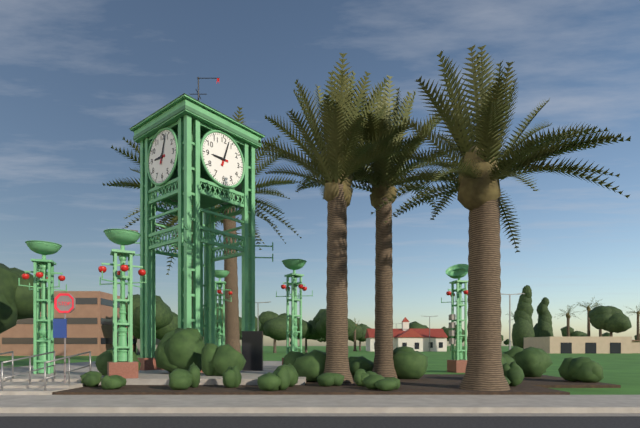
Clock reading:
**9:03**
